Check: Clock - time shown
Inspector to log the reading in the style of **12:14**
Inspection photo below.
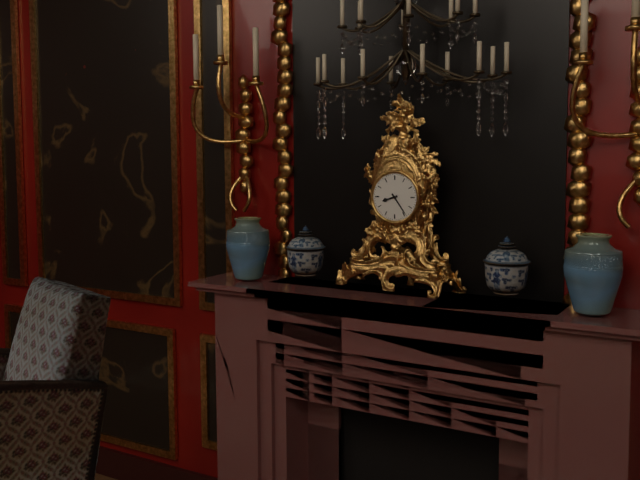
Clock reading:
**8:24**
